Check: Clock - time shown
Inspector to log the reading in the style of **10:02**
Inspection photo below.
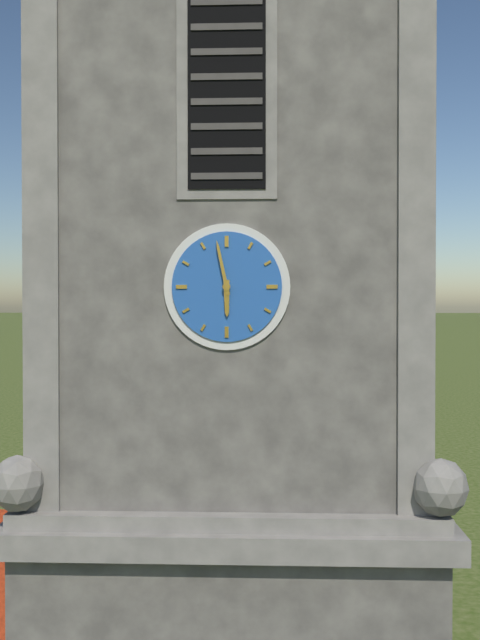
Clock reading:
**5:58**
